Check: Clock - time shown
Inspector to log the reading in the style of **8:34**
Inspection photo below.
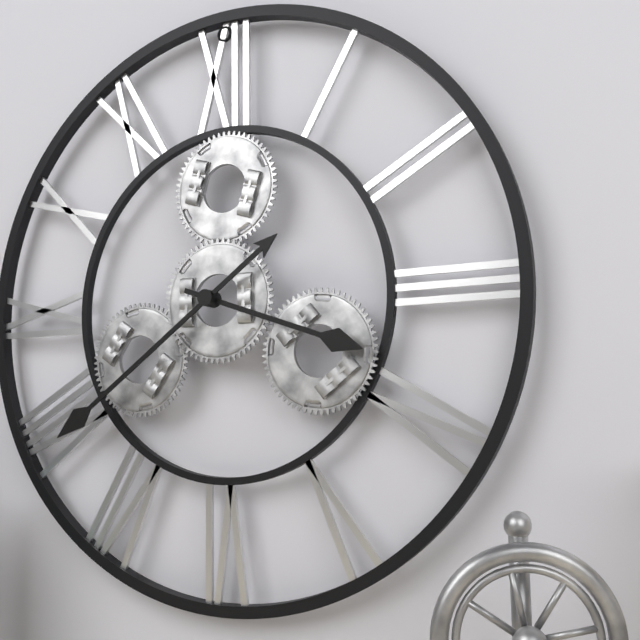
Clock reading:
**3:39**
